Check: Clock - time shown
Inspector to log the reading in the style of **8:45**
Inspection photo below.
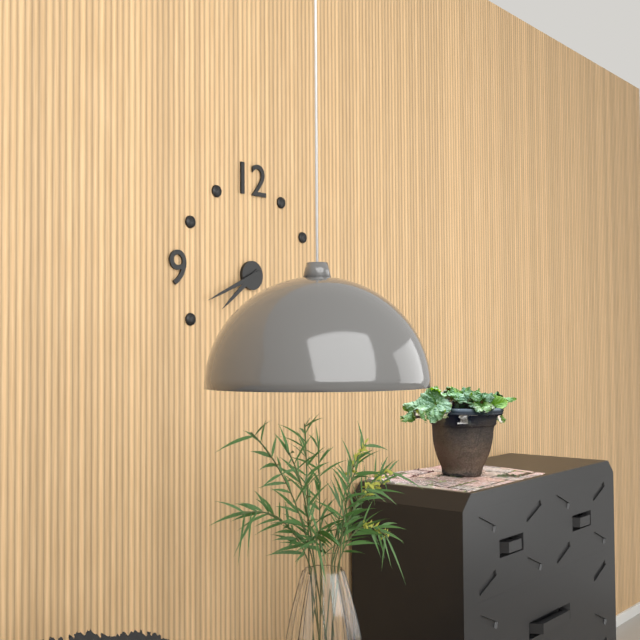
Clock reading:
**7:41**
